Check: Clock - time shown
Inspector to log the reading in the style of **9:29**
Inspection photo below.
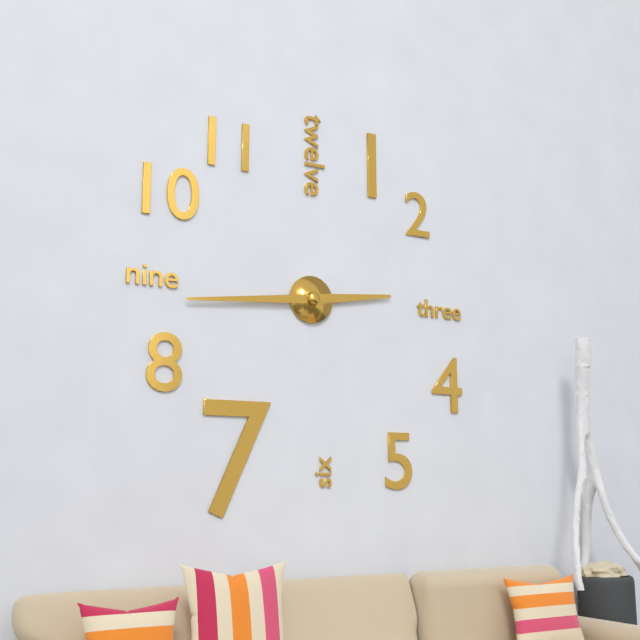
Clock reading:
**2:44**
